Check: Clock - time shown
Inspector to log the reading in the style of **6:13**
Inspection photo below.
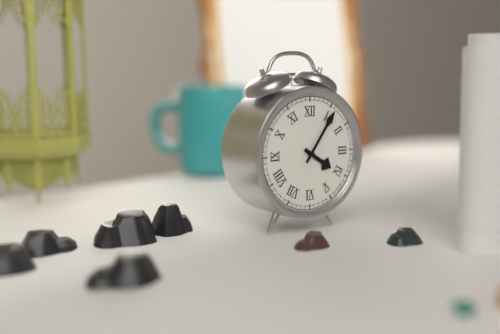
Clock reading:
**4:06**
